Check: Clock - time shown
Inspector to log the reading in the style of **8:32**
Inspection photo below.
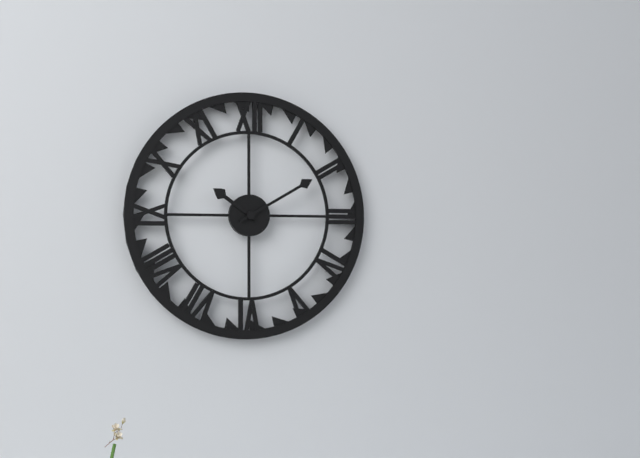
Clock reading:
**10:10**
